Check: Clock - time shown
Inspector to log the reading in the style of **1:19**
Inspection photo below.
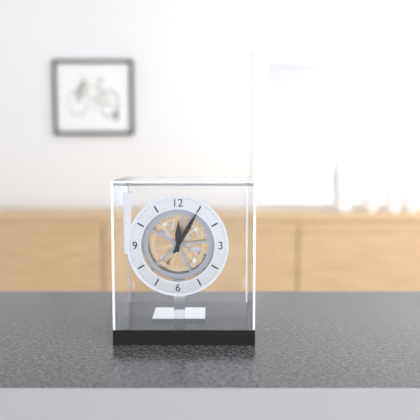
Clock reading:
**12:05**
